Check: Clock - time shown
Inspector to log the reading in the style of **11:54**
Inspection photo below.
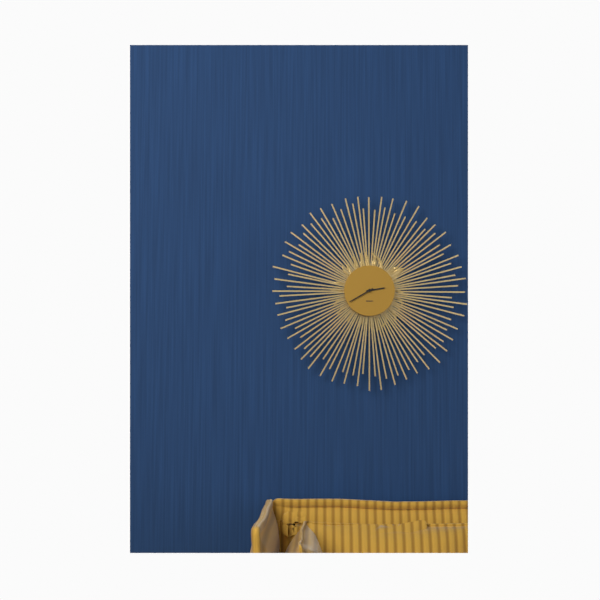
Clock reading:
**2:40**
